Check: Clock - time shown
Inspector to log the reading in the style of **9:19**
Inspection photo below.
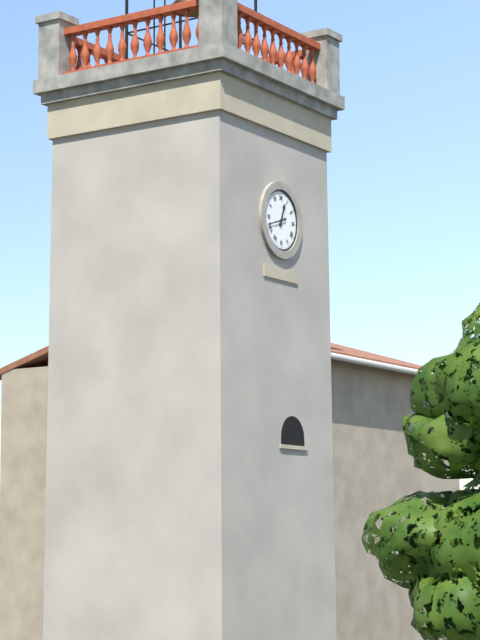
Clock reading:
**12:42**
